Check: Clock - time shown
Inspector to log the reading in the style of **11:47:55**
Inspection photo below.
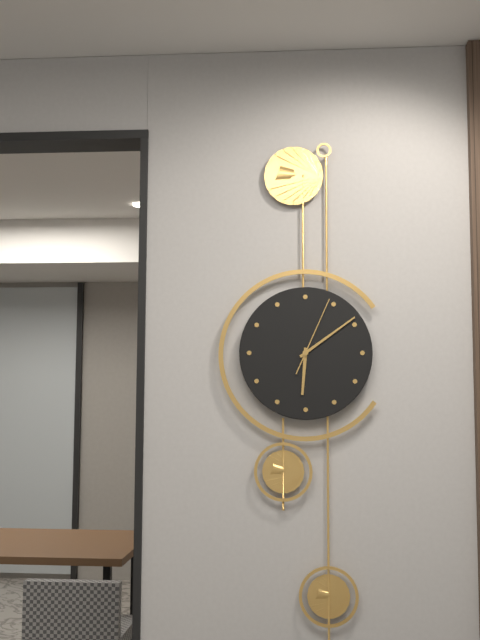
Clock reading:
**6:09:04**
